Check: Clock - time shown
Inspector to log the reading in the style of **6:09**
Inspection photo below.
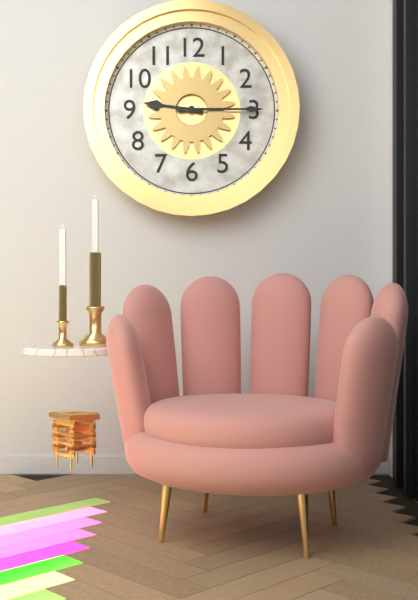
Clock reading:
**9:15**
